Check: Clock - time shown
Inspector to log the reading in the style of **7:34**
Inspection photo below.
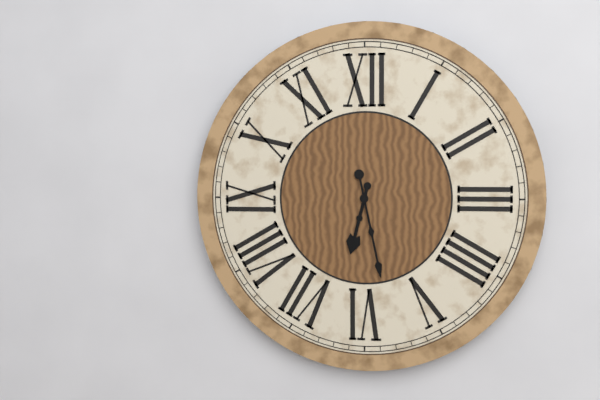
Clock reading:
**6:28**
